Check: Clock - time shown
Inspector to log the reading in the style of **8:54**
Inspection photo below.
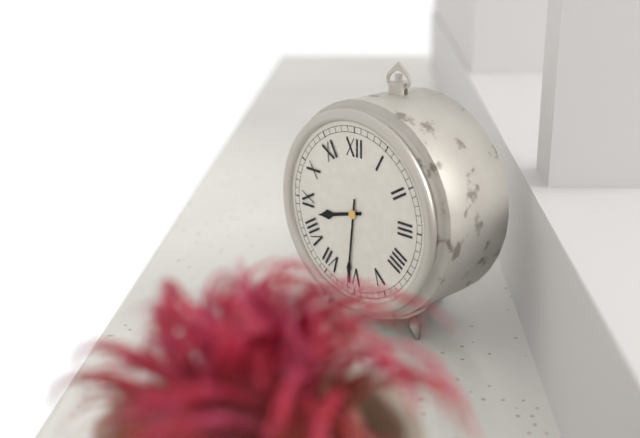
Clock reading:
**8:31**
